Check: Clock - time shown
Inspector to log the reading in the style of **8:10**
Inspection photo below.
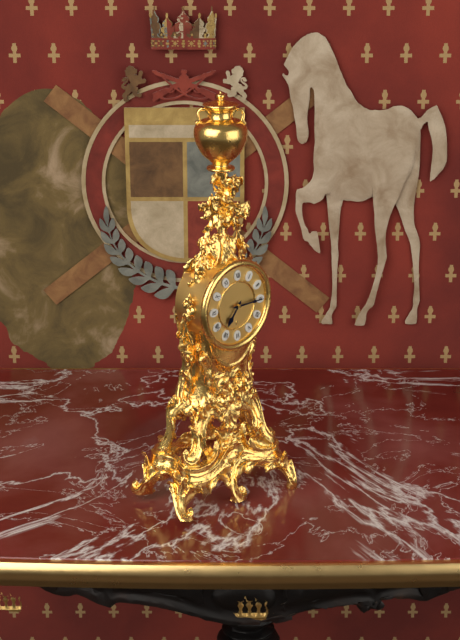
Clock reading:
**7:15**
